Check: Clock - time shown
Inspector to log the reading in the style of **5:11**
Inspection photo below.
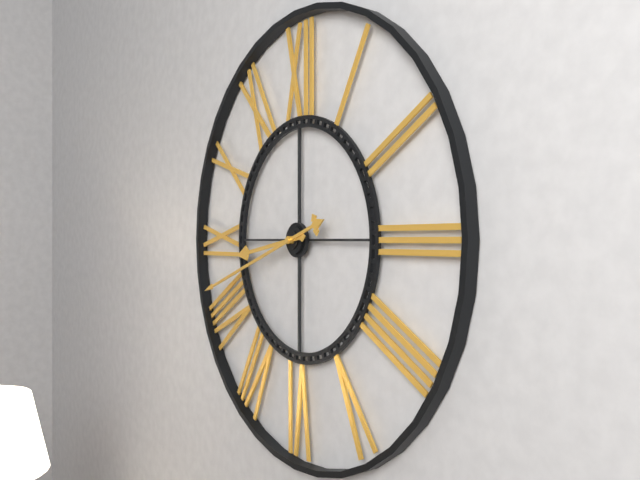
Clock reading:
**8:42**
